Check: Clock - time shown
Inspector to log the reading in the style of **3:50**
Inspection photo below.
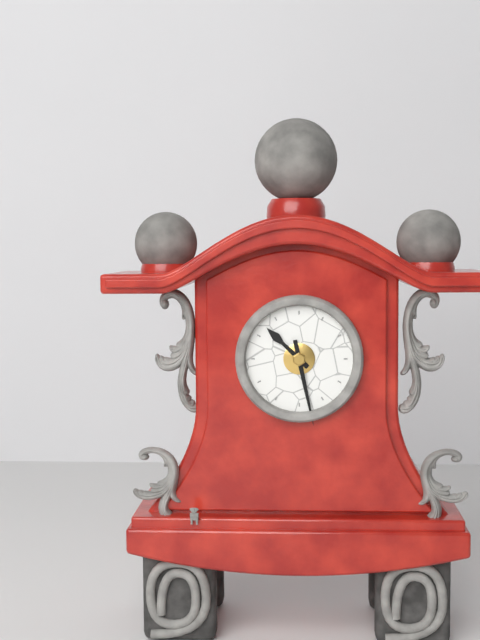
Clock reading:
**10:28**
